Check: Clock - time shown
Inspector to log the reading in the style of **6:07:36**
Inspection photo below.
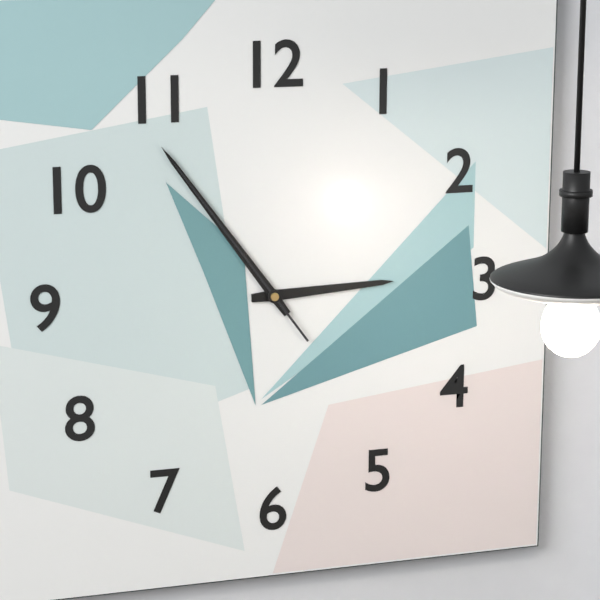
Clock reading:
**2:54:54**
